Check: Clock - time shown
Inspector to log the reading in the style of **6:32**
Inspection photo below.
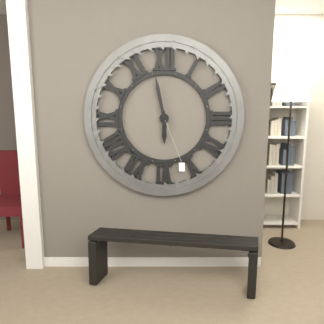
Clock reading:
**5:58**
